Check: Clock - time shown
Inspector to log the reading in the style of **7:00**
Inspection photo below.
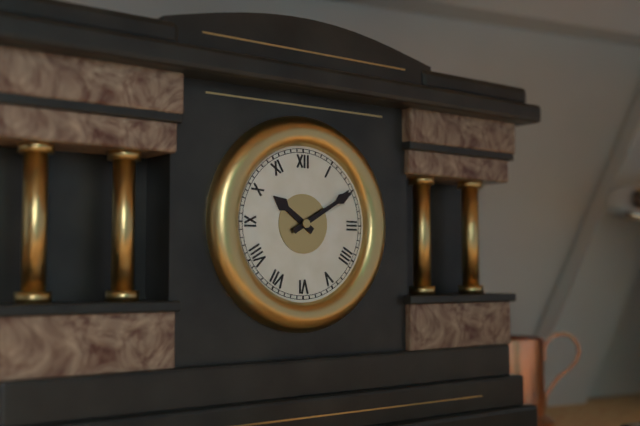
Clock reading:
**10:10**
